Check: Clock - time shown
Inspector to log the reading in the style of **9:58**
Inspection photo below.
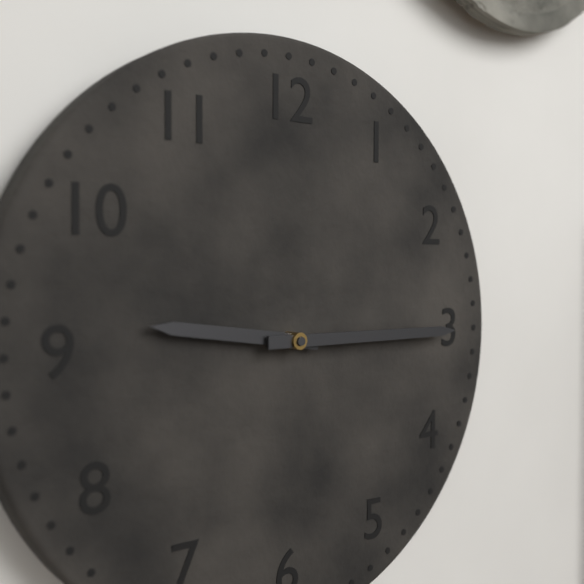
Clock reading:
**9:15**
